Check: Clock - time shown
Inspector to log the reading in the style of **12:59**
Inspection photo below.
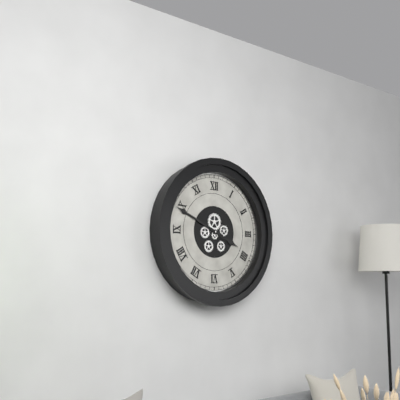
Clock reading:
**3:49**
